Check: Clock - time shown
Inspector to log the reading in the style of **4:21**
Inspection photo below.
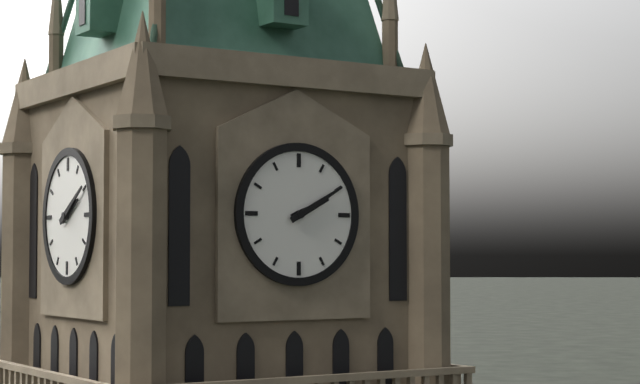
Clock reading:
**2:10**
